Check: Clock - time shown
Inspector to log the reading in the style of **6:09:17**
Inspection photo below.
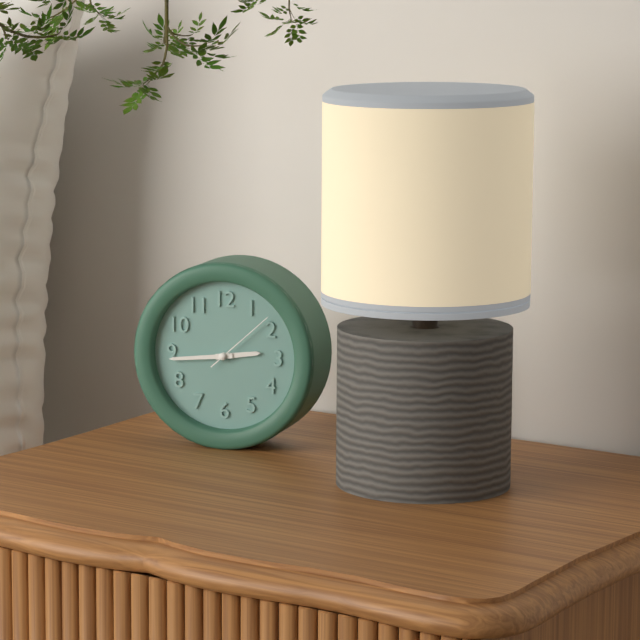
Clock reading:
**2:44:08**
